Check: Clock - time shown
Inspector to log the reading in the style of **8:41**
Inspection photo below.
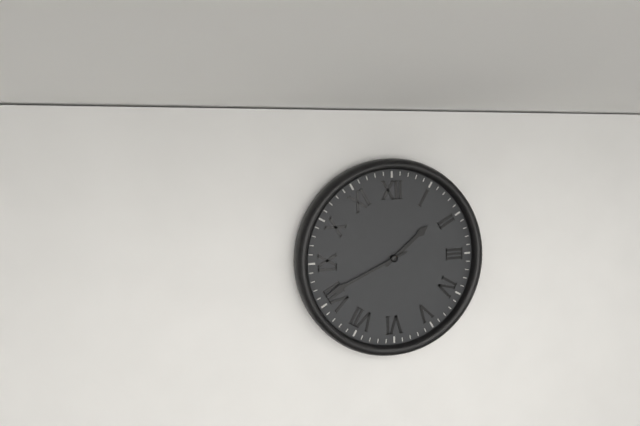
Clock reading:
**1:41**
